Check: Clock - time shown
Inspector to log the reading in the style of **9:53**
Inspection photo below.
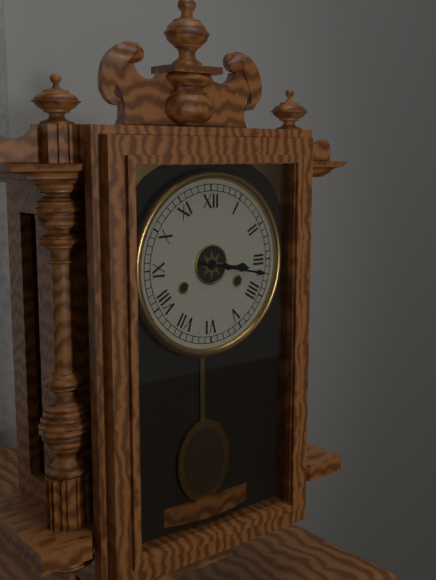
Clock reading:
**3:17**
